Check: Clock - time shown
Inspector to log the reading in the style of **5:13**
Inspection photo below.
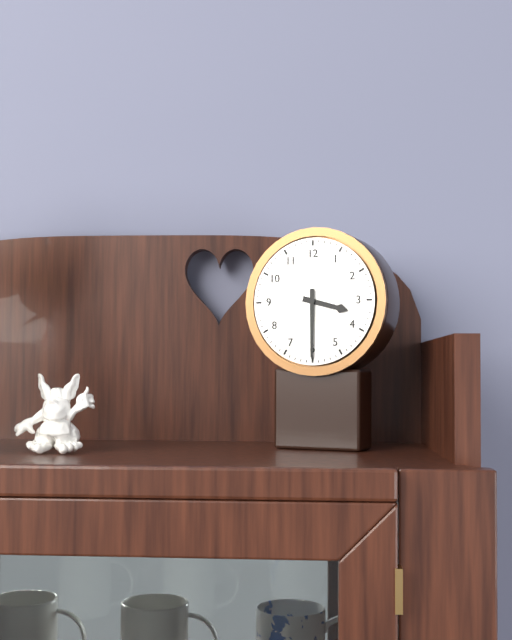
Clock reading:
**3:30**
